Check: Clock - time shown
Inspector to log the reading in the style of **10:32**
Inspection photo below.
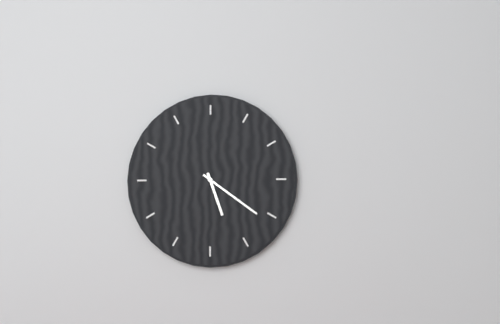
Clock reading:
**5:21**
